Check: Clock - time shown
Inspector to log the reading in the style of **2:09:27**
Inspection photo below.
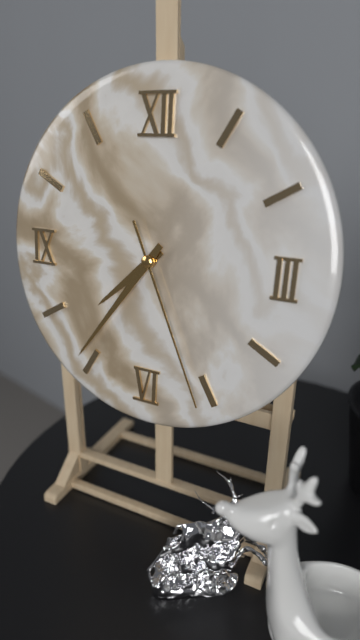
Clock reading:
**7:36:26**
